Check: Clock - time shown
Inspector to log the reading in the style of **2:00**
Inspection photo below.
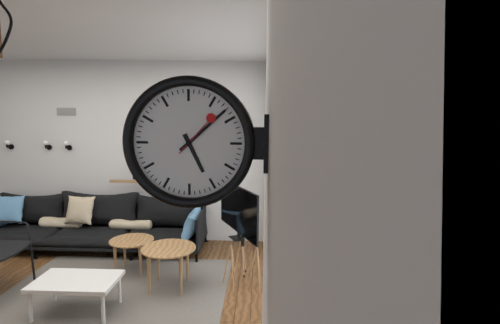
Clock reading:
**5:08**
